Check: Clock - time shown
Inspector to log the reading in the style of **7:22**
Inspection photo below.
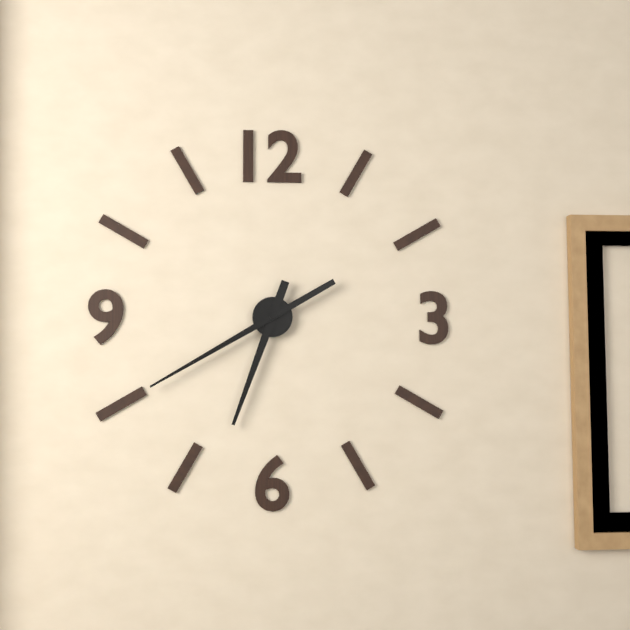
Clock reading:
**6:40**
